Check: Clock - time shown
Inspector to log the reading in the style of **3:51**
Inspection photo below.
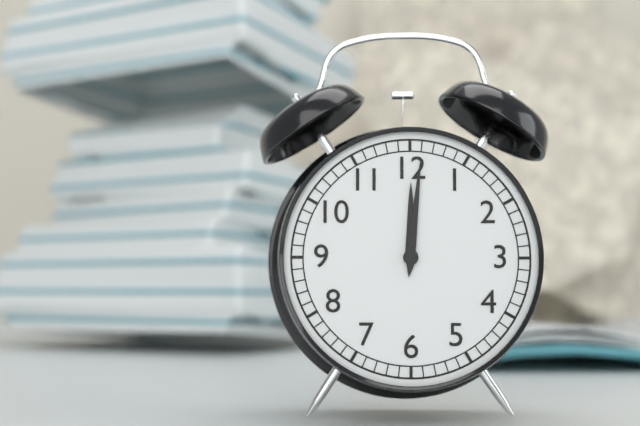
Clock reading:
**12:01**
